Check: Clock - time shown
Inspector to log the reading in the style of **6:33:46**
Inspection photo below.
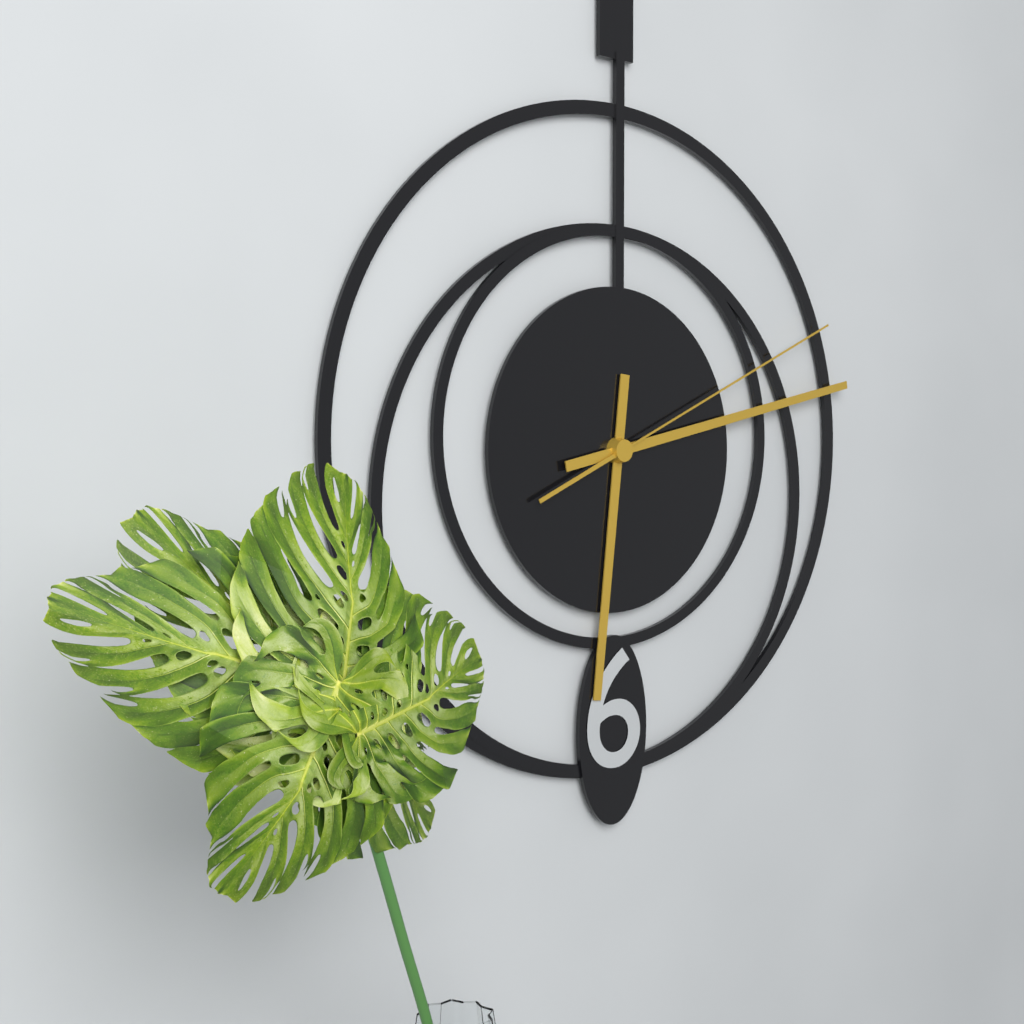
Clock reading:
**6:13:11**
